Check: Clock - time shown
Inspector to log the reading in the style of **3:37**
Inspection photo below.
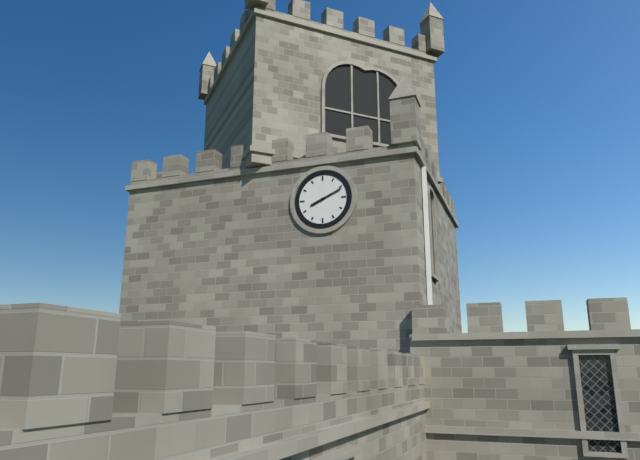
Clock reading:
**8:11**
